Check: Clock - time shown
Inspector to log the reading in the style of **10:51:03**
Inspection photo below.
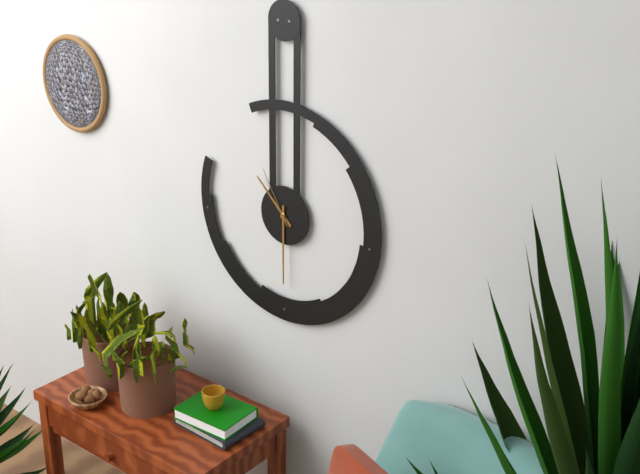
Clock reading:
**10:30:55**
